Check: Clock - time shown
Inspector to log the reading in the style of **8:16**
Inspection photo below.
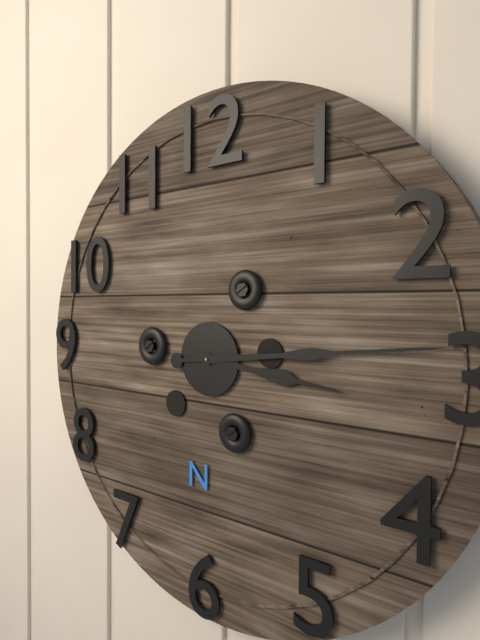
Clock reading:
**3:14**
